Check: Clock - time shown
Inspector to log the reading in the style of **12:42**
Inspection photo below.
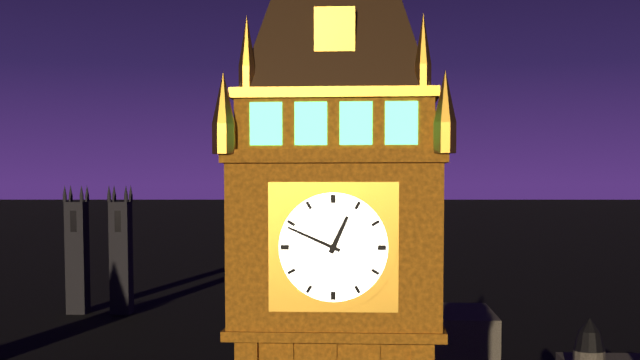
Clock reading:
**12:49**
